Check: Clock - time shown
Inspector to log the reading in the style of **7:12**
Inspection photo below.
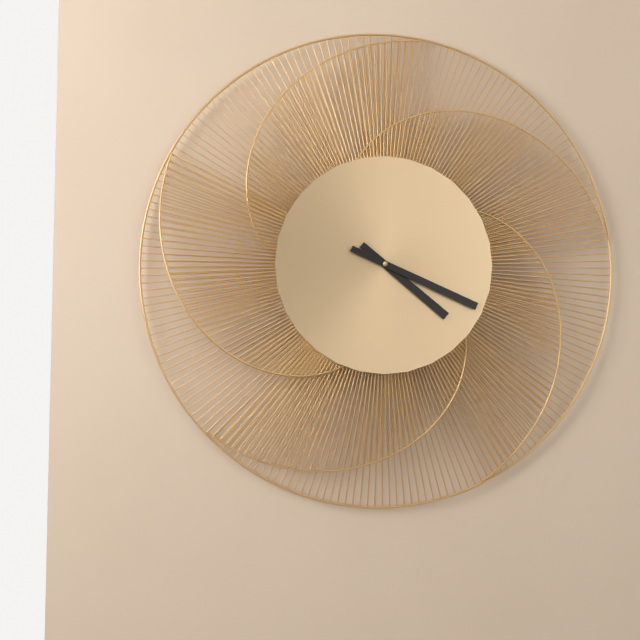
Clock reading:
**4:19**
